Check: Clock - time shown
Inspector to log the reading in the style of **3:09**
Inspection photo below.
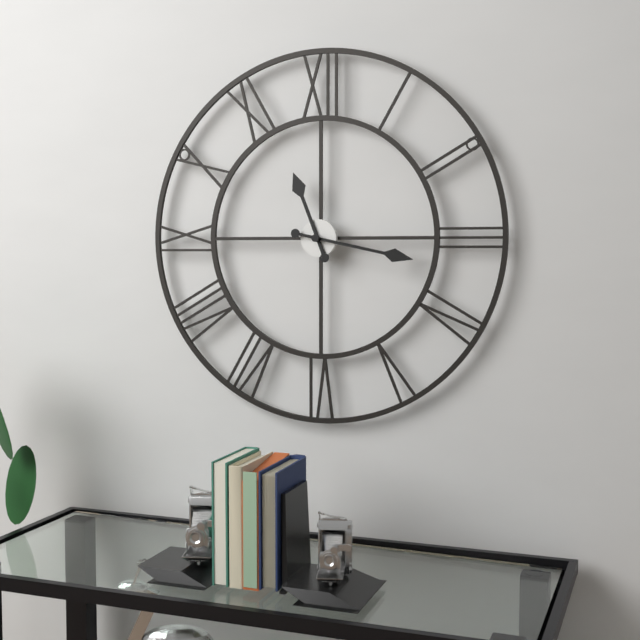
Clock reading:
**11:17**
